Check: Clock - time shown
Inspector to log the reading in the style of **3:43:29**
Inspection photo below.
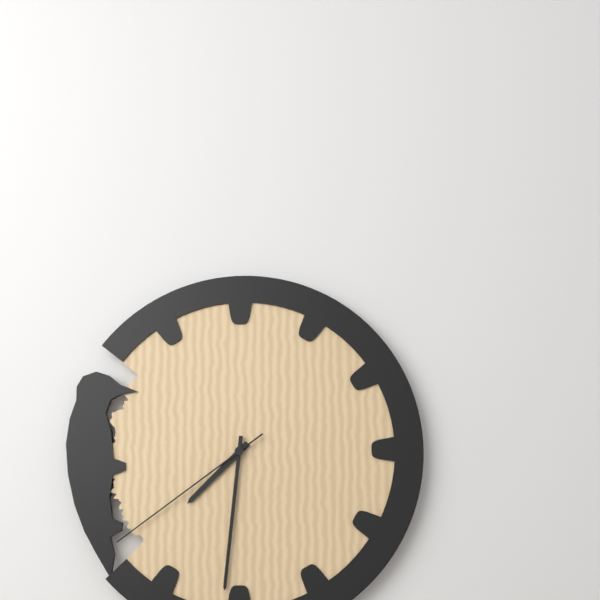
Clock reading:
**7:31:39**
